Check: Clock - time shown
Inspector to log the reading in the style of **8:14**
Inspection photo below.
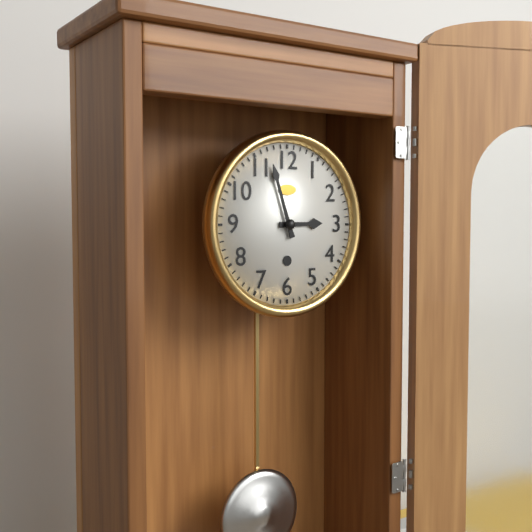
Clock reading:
**2:57**
